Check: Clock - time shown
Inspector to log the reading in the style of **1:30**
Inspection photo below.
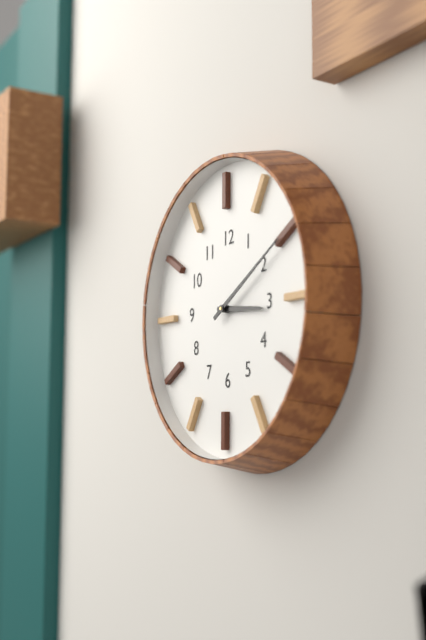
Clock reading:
**3:10**
